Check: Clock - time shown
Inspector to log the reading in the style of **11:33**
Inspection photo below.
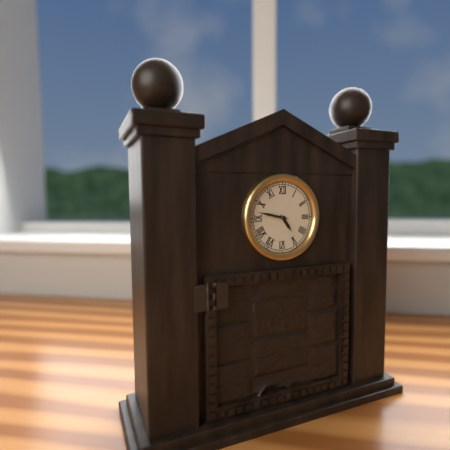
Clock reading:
**4:47**
